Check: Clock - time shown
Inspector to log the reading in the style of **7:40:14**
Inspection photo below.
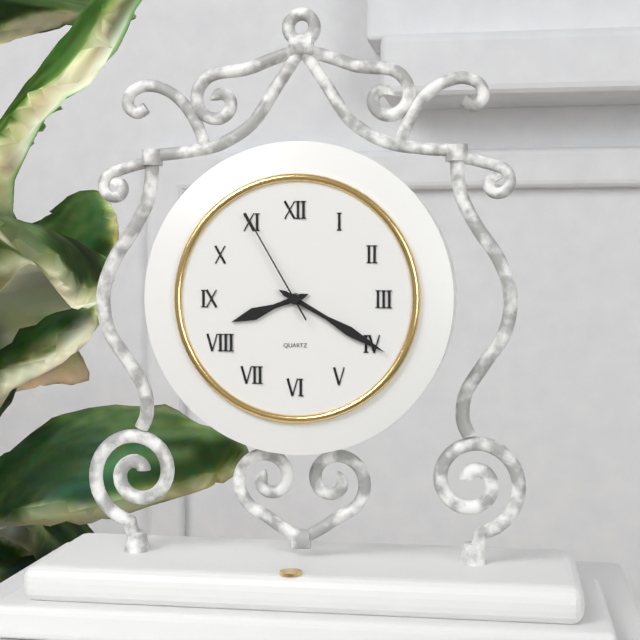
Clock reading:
**8:20:55**
